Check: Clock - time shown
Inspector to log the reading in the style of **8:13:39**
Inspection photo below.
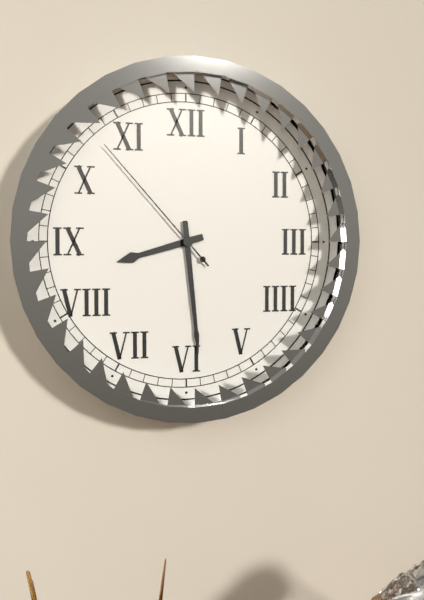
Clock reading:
**8:29:53**
